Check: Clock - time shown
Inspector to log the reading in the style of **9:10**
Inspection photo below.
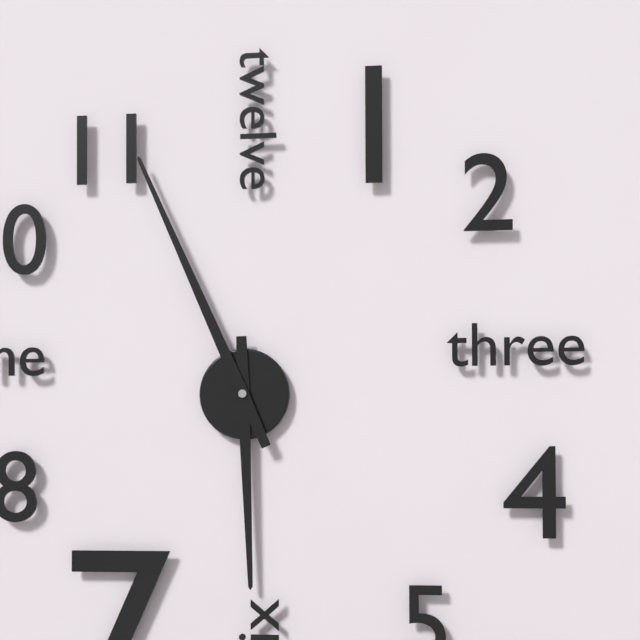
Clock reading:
**5:56**
